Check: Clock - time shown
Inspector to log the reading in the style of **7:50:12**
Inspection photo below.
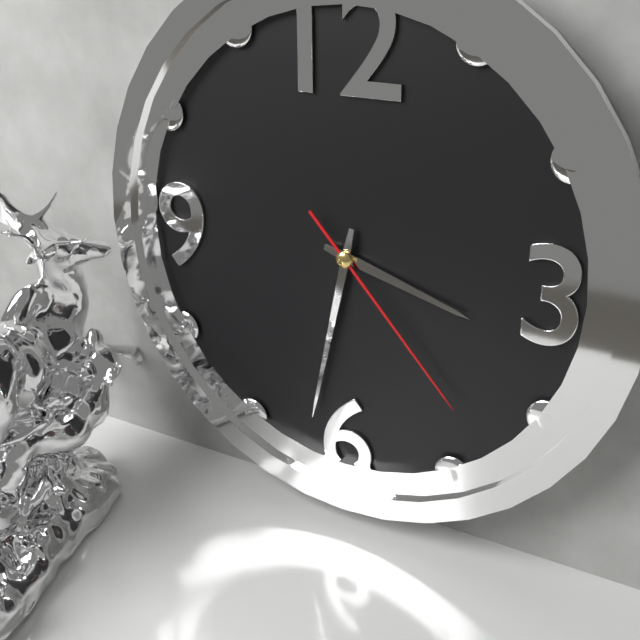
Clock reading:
**3:32:23**
